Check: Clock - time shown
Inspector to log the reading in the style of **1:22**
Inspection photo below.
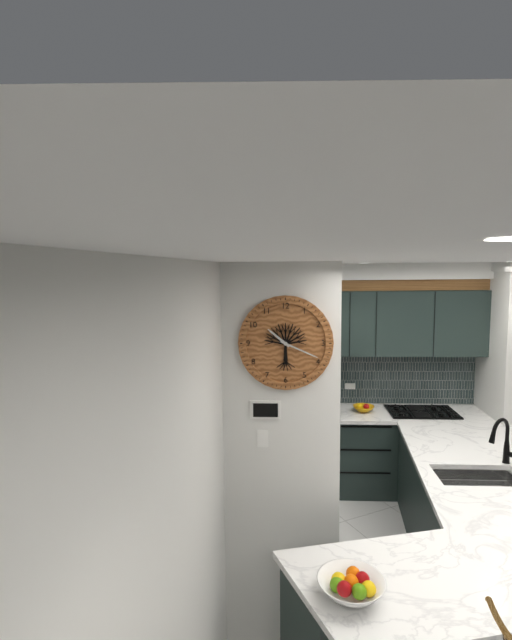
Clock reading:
**10:19**
